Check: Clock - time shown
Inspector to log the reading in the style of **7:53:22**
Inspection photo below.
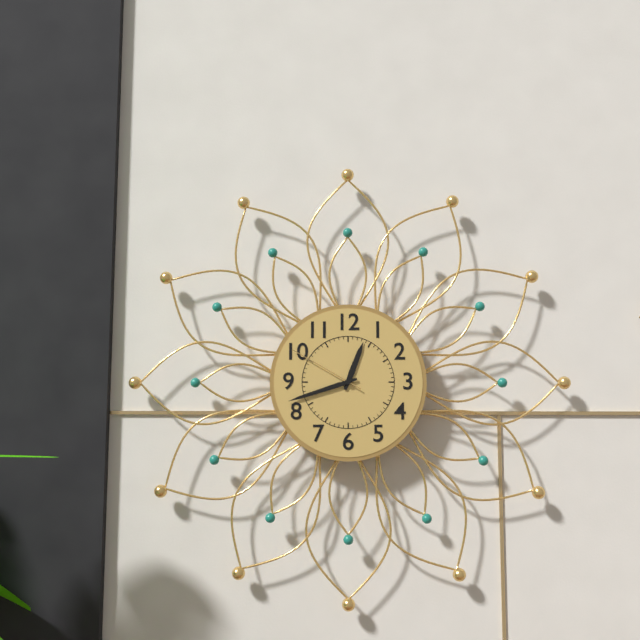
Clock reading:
**12:42:50**
